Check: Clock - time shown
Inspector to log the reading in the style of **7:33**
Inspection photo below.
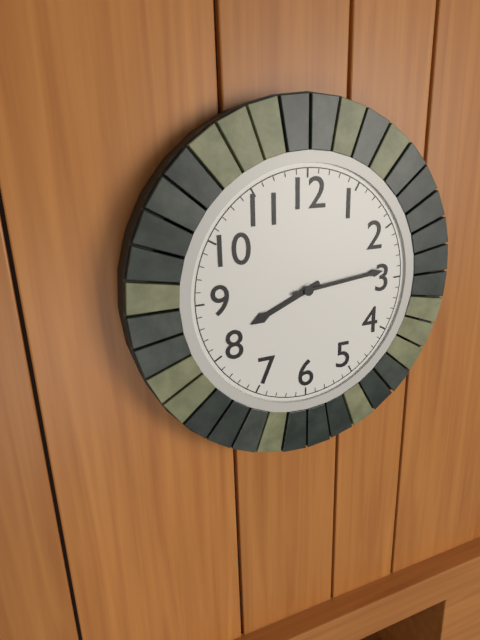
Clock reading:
**8:14**
